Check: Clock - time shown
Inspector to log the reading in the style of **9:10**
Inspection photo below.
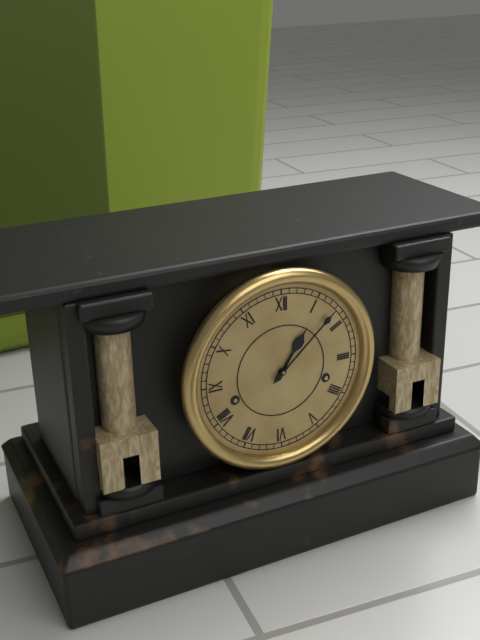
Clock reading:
**1:08**
